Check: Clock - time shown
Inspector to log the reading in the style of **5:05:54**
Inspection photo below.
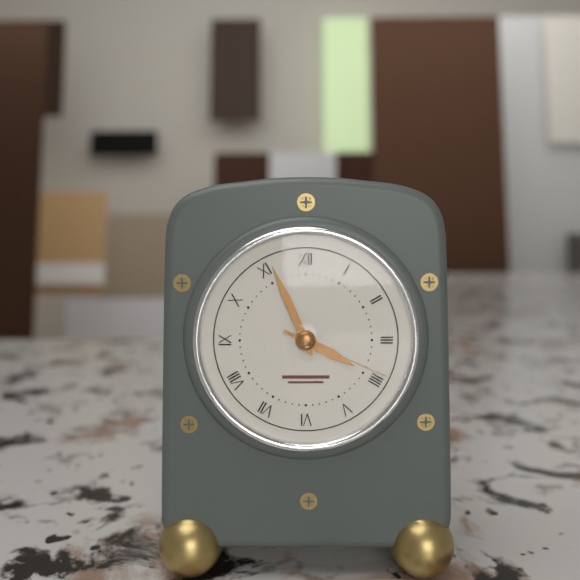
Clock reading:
**3:56:19**
